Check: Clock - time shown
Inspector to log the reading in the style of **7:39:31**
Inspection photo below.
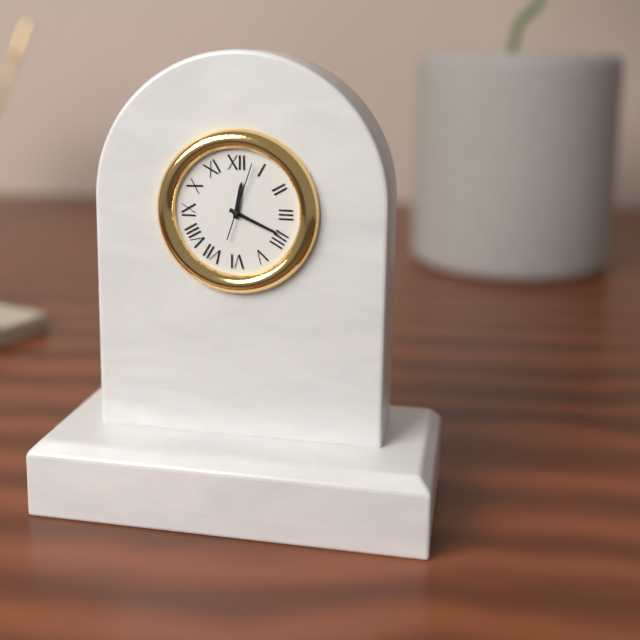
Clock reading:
**12:19:03**
